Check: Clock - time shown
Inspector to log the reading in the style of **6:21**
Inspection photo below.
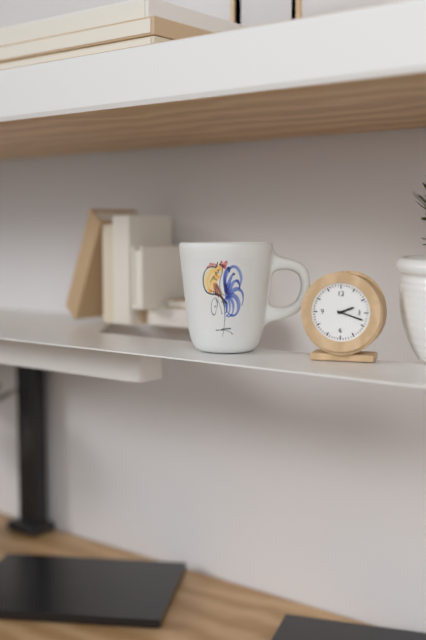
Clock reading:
**2:18**
